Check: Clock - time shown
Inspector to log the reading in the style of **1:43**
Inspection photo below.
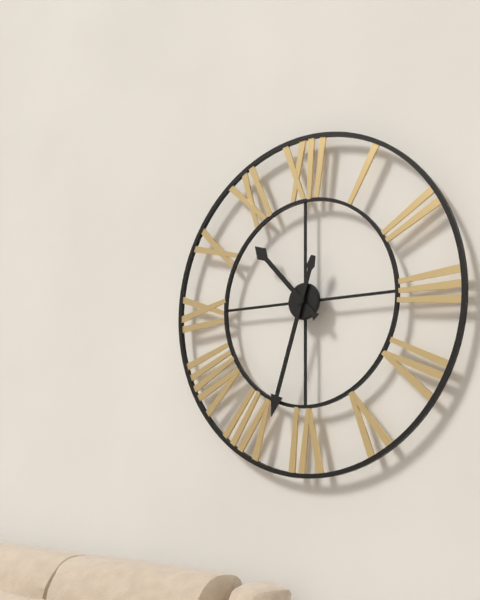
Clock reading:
**10:33**
